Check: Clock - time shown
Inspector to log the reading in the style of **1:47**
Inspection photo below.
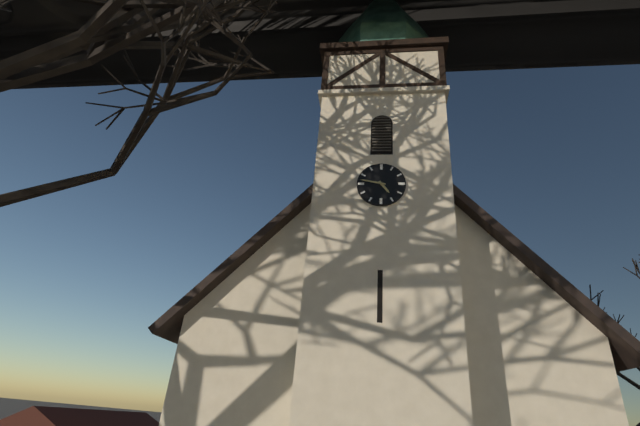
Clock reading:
**4:47**
